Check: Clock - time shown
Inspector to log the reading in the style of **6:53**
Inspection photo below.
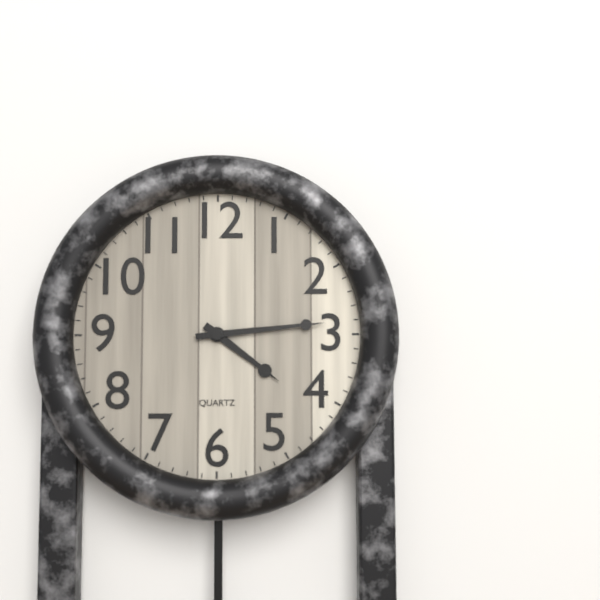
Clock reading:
**4:14**
